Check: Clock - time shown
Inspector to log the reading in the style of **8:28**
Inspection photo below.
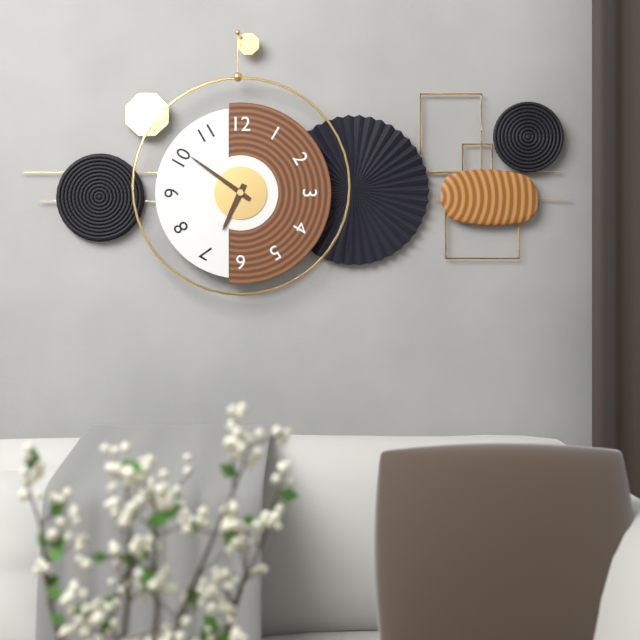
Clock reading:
**6:51**
